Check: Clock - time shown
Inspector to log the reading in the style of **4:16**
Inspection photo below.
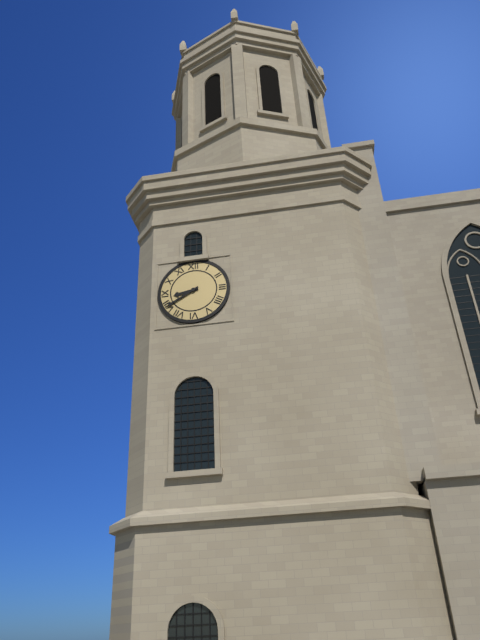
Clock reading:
**8:40**
